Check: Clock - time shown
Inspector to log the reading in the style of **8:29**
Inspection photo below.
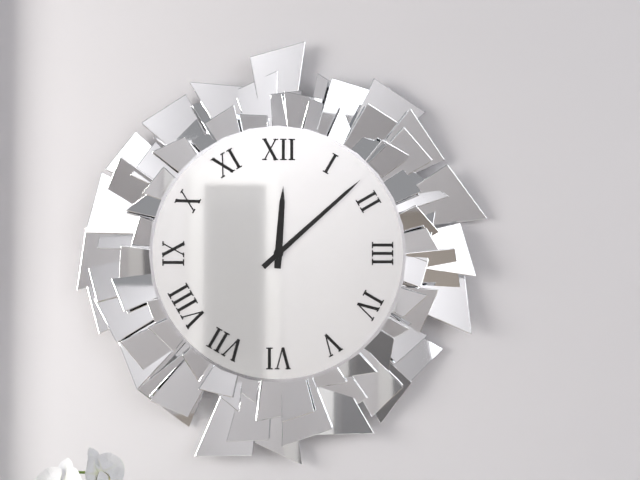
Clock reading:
**12:08**
